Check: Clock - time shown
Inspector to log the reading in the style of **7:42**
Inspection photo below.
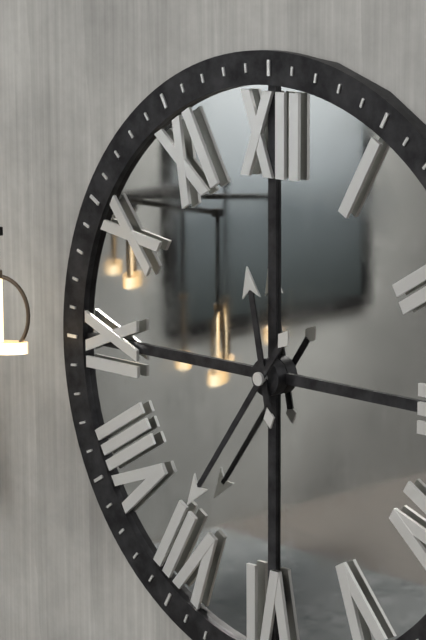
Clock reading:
**11:36**
